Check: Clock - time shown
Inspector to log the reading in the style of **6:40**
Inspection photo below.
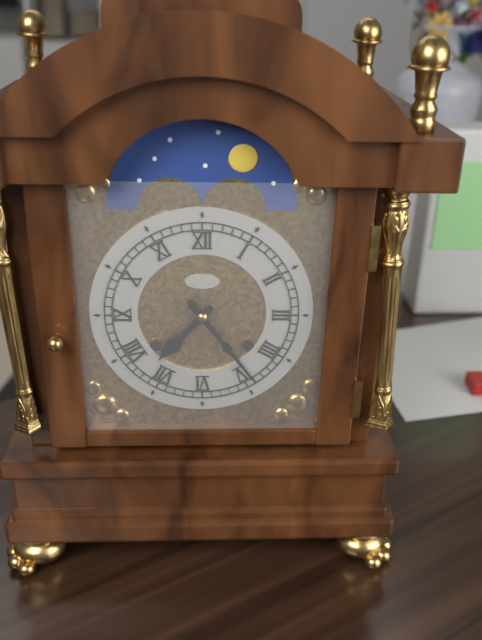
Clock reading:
**7:24**
